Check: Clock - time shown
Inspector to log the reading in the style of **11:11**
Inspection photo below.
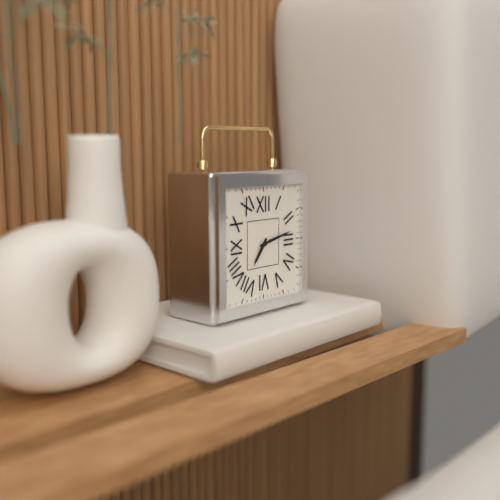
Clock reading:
**7:13**
